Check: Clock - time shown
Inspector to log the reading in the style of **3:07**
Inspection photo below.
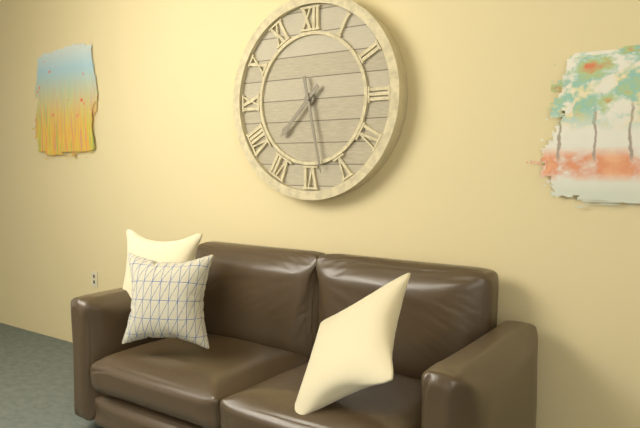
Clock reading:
**7:28**
